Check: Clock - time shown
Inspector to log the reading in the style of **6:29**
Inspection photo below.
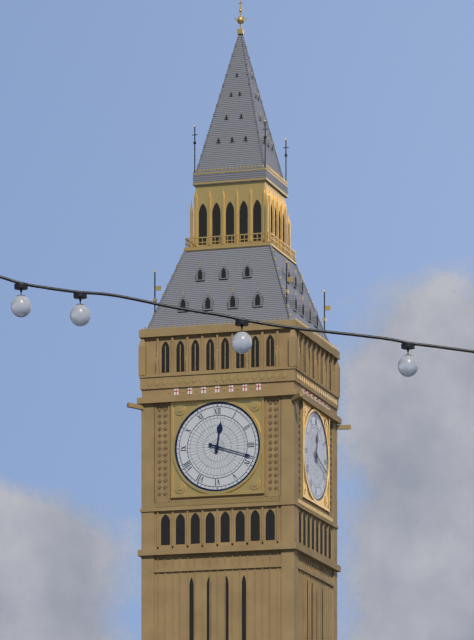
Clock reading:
**12:18**
